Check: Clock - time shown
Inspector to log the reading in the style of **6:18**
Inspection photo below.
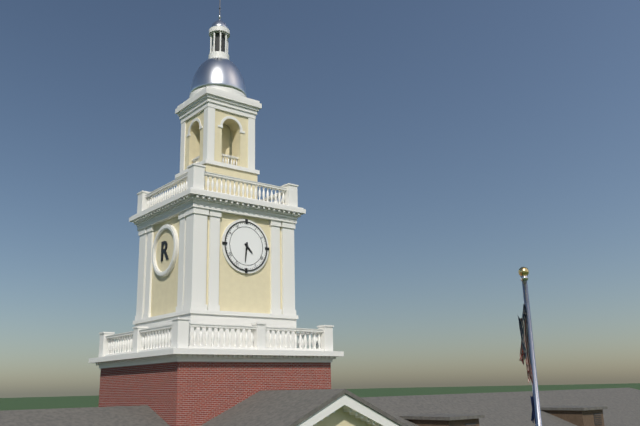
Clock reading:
**4:31**
